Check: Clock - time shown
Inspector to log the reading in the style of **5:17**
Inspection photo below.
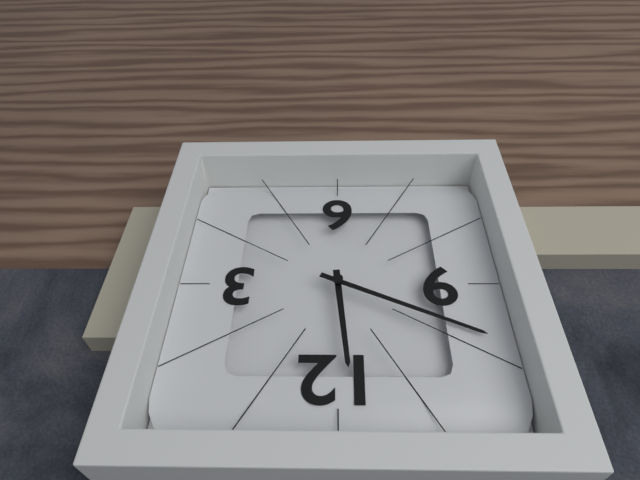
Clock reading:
**11:49**
